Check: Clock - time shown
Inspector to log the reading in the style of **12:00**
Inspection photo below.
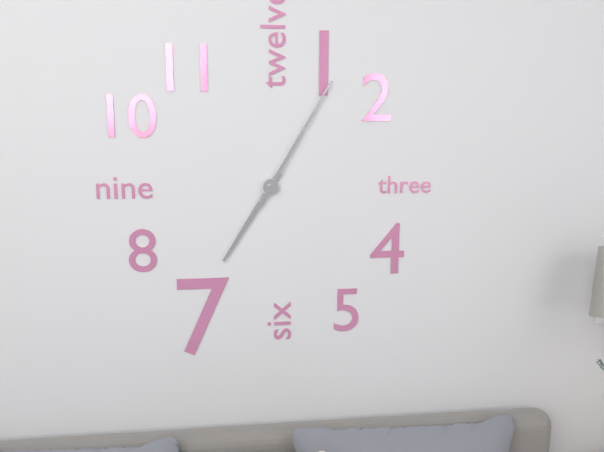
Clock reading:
**7:05**
